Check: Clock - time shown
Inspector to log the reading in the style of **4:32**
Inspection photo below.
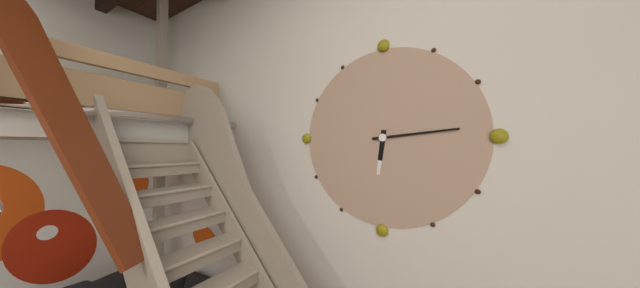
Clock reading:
**6:14**
